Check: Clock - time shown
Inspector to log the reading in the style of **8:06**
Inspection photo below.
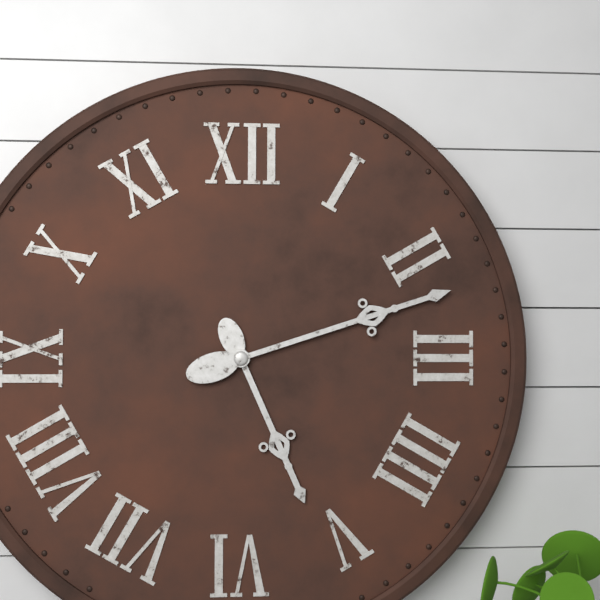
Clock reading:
**5:12**
